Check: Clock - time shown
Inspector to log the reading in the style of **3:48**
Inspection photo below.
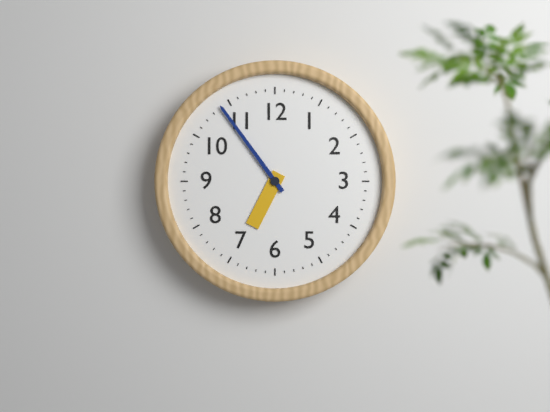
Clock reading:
**6:54**
